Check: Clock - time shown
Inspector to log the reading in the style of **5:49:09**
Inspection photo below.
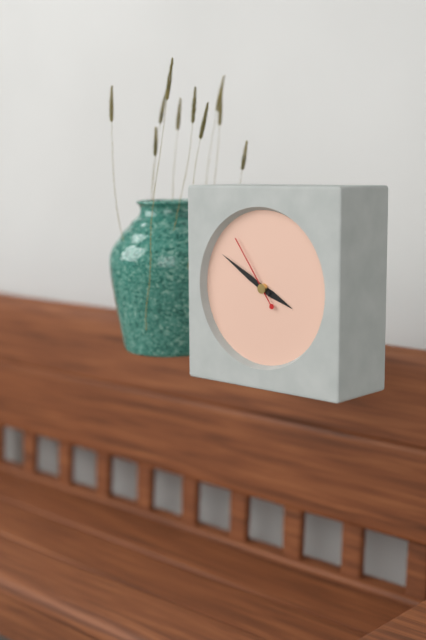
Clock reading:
**3:50:54**
